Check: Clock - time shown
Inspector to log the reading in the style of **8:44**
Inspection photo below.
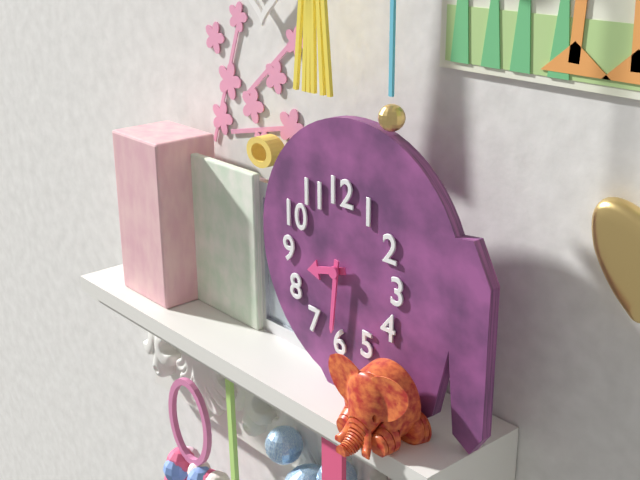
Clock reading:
**8:31**
